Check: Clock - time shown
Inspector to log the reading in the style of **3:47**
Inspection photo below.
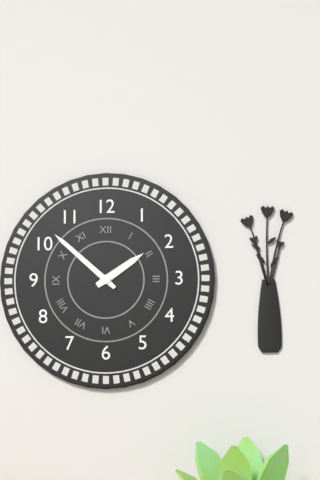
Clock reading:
**1:52**
